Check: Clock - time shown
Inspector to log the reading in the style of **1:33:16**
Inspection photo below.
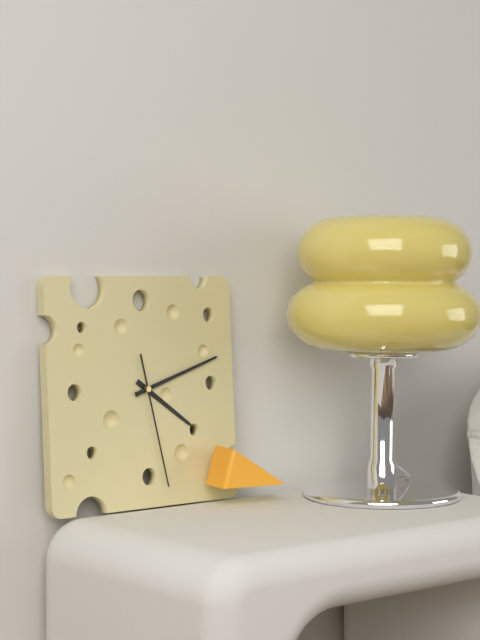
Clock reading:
**4:12:28**
